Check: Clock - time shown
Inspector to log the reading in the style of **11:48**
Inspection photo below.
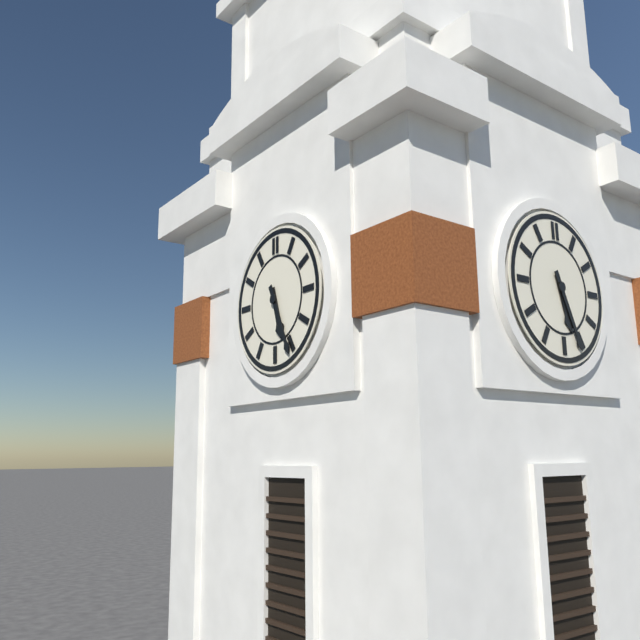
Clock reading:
**5:26**
